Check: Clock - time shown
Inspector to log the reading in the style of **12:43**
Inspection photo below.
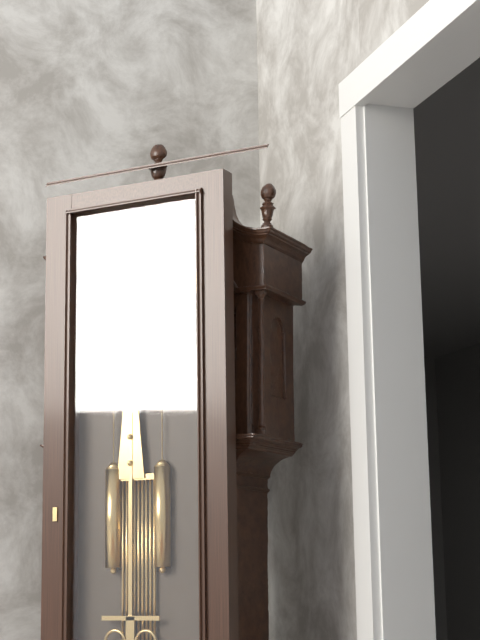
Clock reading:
**12:09**
